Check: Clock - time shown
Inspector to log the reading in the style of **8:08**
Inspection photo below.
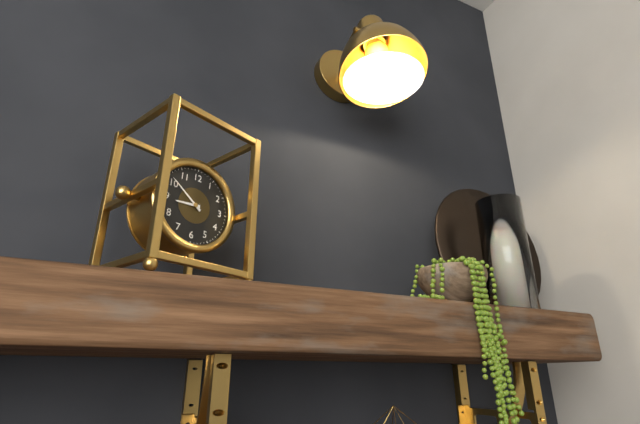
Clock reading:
**8:51**
